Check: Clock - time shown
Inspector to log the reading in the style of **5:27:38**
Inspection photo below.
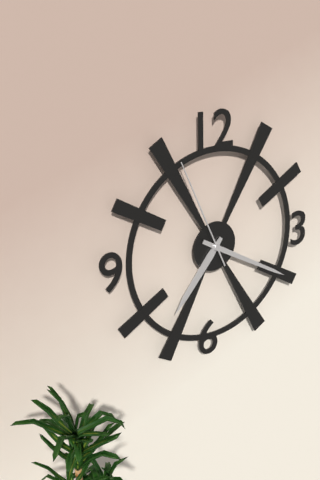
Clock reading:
**7:20:56**
